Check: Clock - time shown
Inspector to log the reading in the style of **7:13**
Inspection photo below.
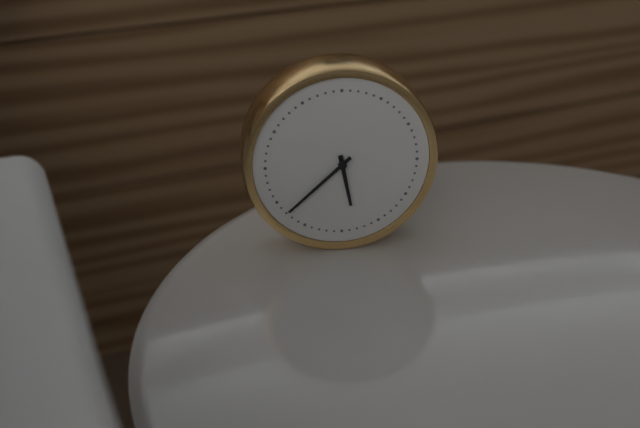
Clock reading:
**5:38**
